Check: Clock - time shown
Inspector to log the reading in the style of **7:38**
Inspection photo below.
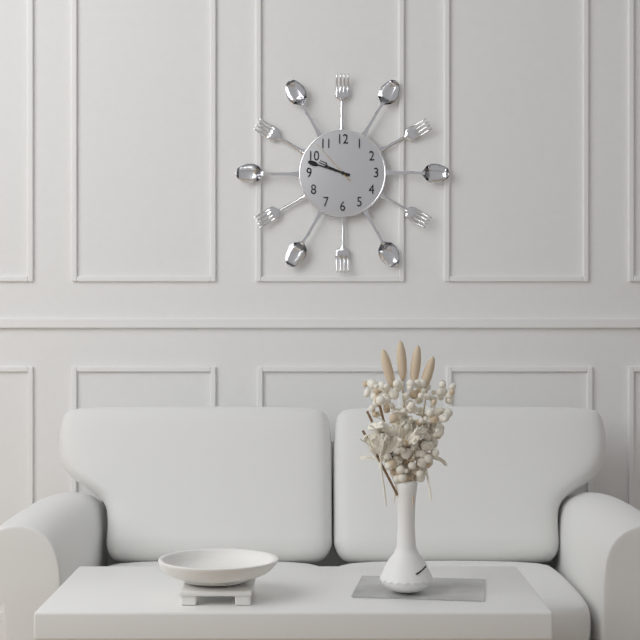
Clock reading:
**9:48**
